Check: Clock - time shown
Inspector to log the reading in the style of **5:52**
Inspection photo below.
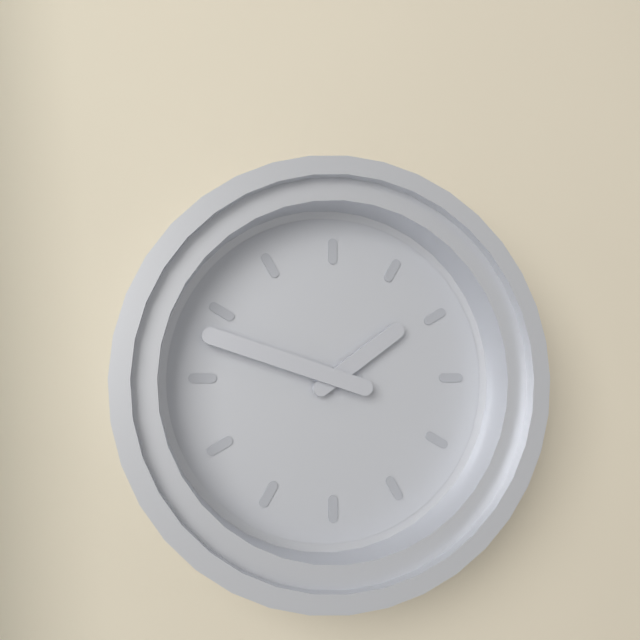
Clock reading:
**1:48**
